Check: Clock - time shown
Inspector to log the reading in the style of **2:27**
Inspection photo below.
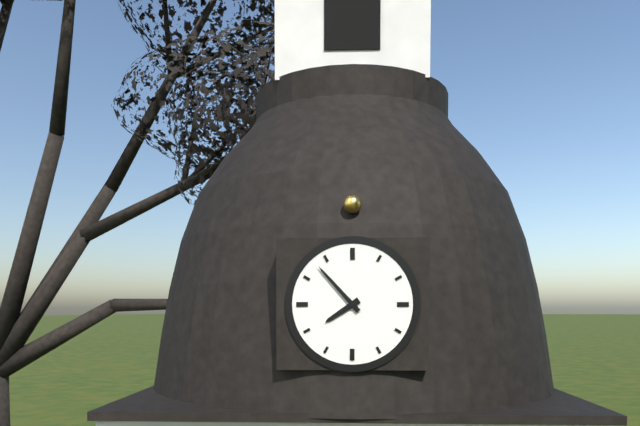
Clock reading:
**7:53**
